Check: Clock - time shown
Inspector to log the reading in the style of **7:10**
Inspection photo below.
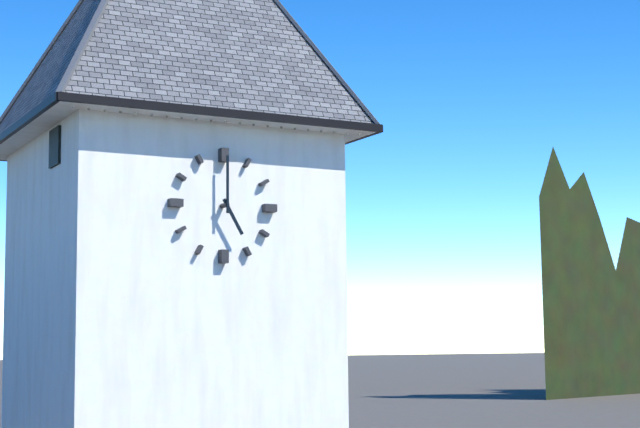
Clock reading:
**5:00**
